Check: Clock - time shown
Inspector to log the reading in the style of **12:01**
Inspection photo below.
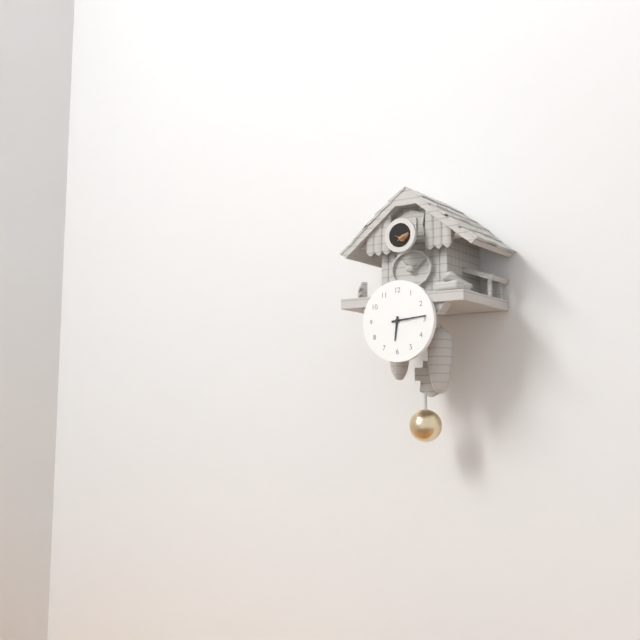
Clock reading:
**6:14**
